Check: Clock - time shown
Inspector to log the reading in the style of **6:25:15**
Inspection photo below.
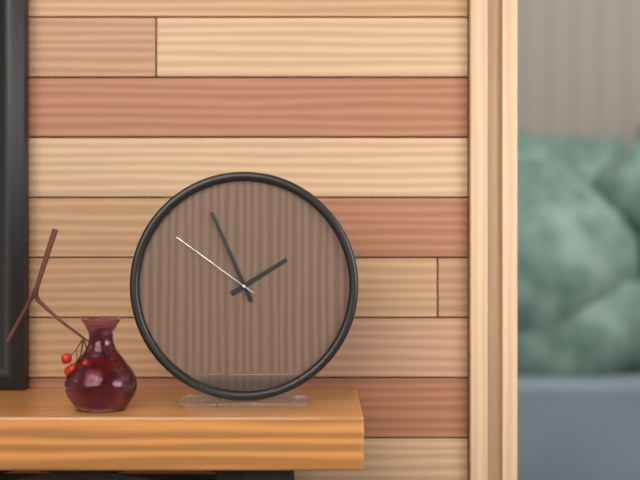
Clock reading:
**1:56:51**
